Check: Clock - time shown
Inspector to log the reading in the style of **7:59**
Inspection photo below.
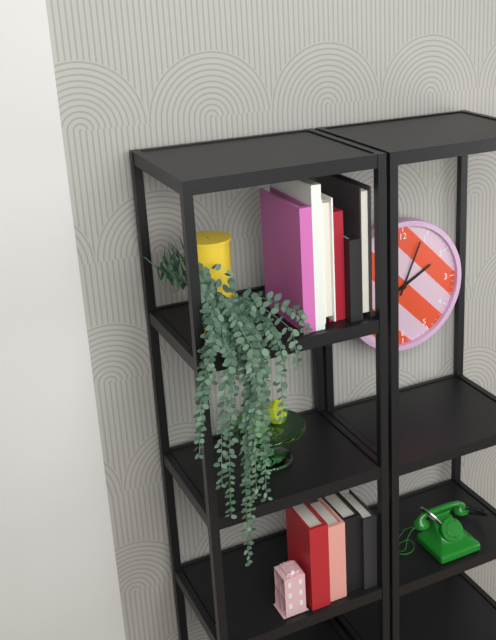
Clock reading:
**2:04**
